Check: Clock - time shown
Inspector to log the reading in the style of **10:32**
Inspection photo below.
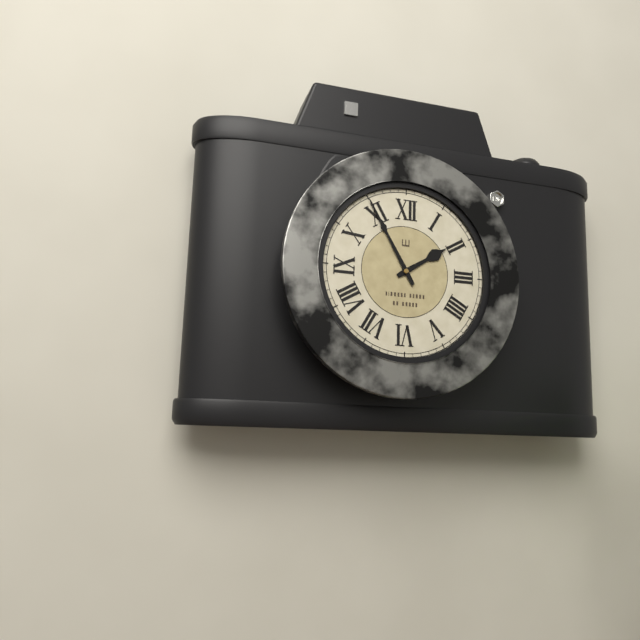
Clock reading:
**1:55**
